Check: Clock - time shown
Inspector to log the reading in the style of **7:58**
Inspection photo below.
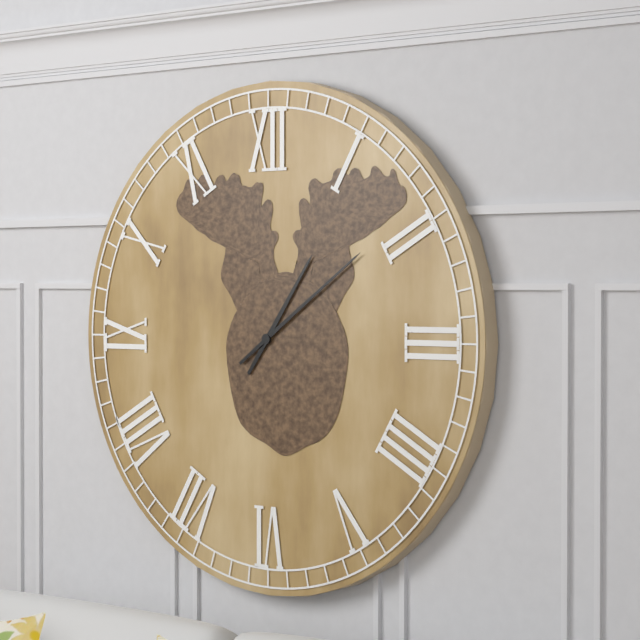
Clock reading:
**1:09**
